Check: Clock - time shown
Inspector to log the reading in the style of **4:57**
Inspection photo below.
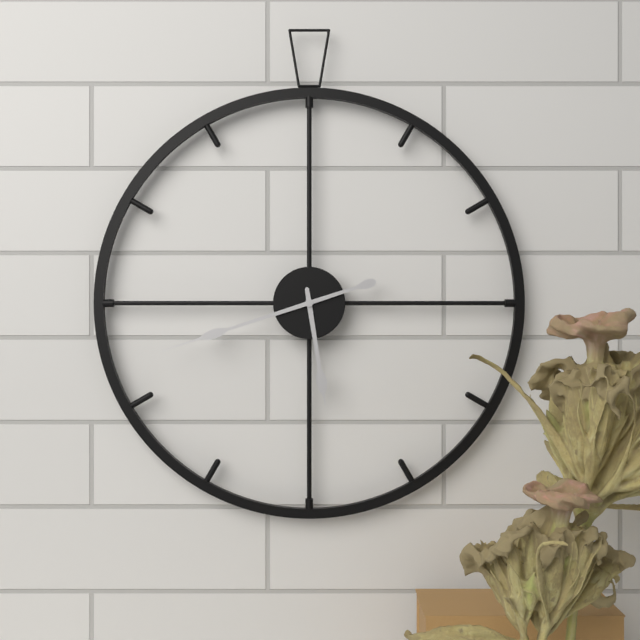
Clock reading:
**5:42**
